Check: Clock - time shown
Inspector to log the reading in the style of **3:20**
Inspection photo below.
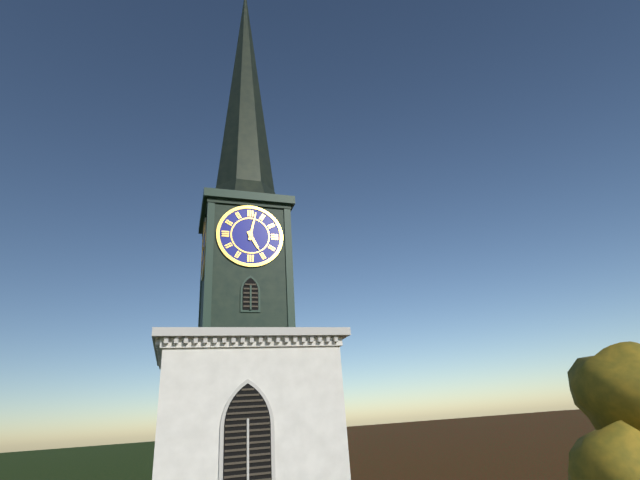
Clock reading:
**5:02**
